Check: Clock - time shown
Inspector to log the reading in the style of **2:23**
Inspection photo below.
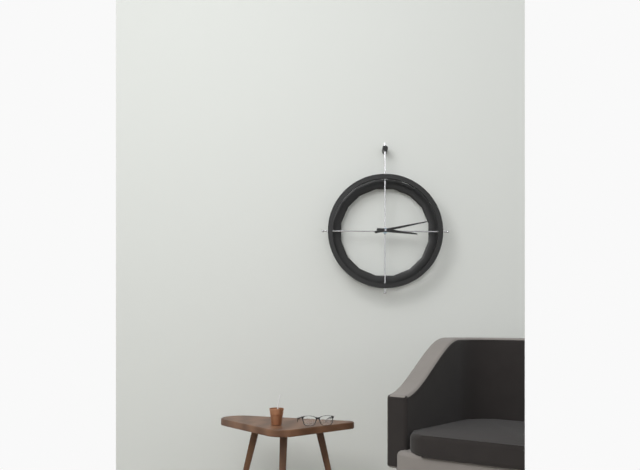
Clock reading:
**3:13**
